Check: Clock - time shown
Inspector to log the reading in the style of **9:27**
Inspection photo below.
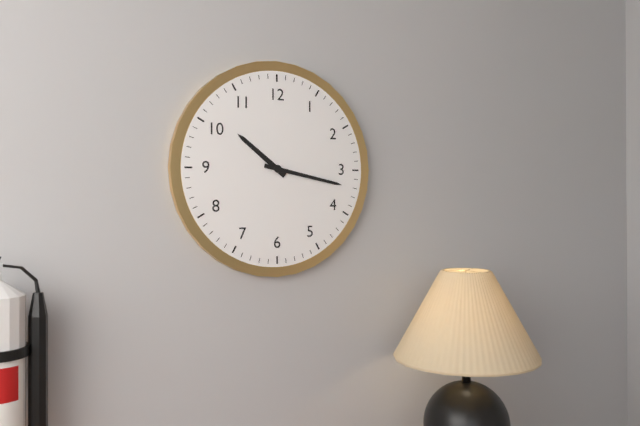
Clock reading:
**10:17**
